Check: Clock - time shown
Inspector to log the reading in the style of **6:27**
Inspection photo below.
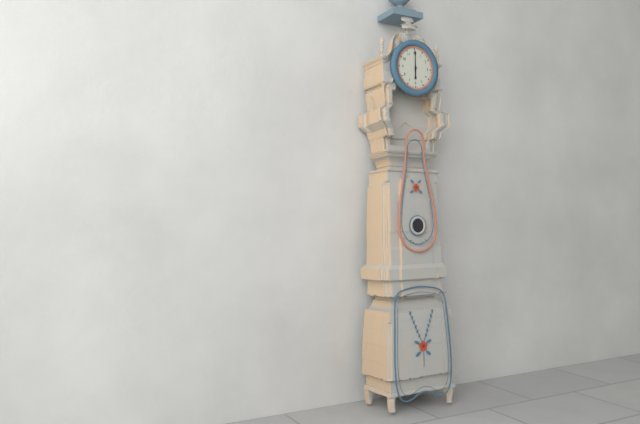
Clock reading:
**6:00**
